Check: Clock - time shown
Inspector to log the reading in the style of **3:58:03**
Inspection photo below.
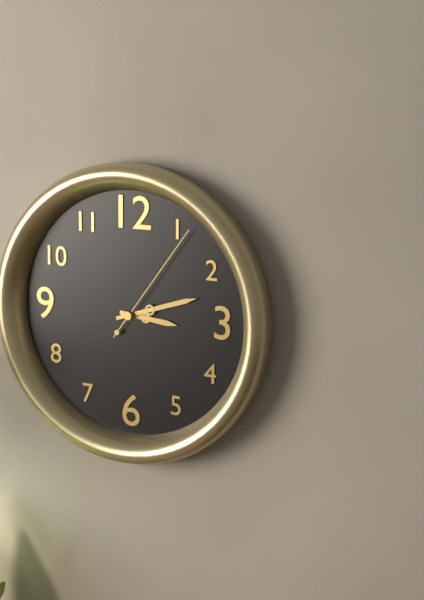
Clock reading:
**3:12:06**
